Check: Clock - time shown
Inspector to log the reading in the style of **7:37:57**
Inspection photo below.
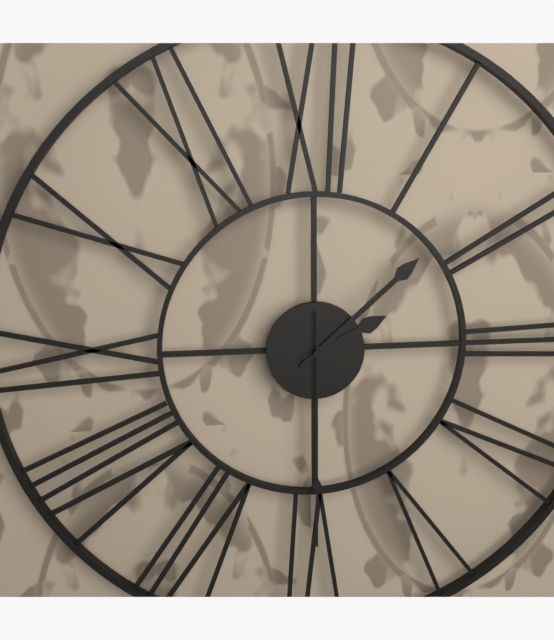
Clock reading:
**2:08:30**
